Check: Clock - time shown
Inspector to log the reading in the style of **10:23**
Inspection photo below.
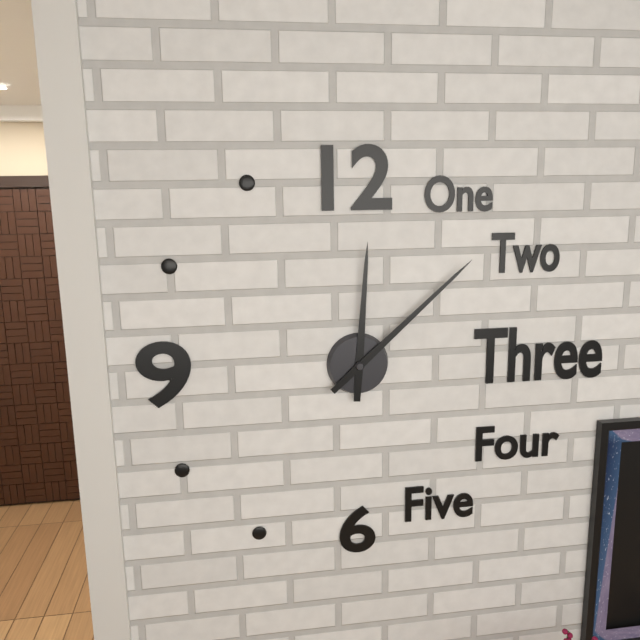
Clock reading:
**12:08**
